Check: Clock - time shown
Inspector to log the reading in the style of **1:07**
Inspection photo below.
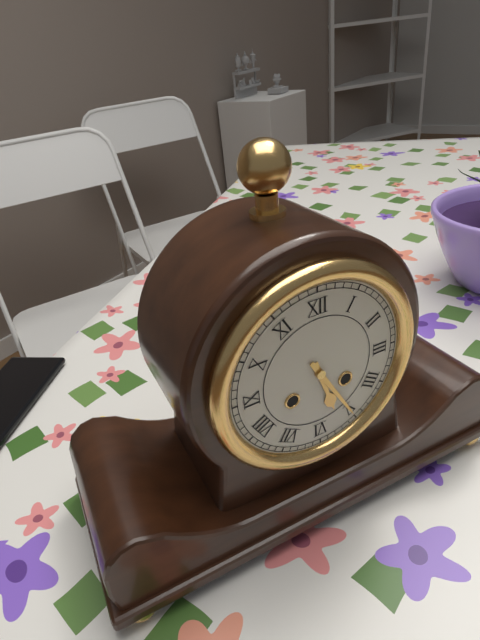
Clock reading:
**5:25**
